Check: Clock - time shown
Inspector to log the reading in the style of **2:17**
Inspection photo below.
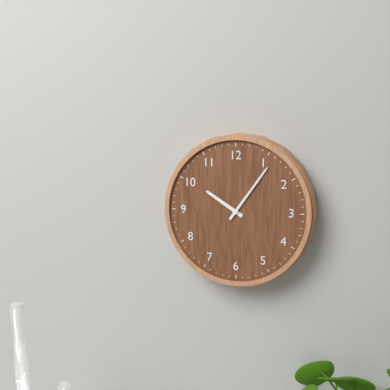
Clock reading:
**10:06**
